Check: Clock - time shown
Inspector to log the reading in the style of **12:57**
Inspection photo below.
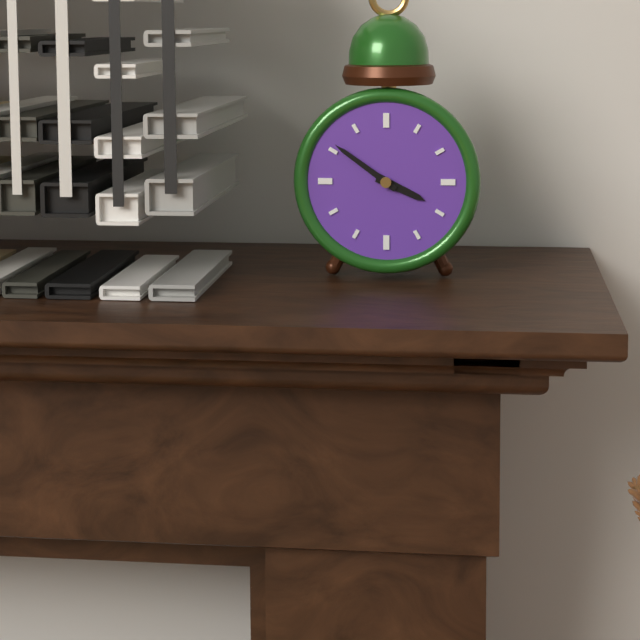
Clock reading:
**3:51**
